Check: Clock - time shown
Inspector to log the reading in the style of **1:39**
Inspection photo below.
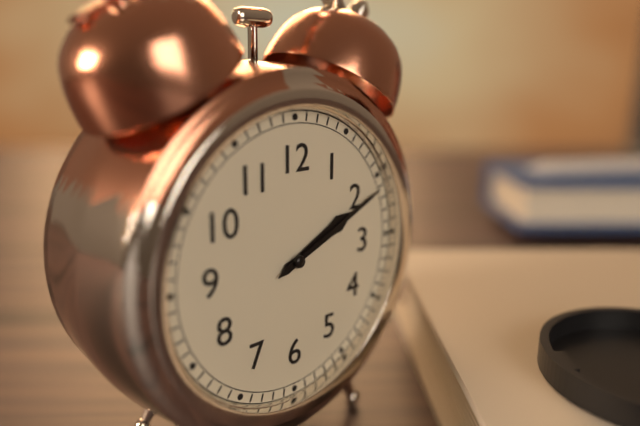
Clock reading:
**2:11**
